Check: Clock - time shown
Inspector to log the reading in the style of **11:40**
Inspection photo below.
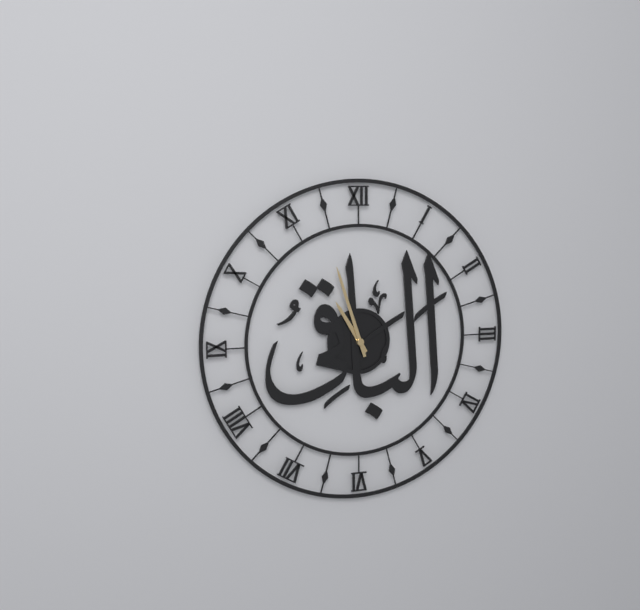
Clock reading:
**10:57**
